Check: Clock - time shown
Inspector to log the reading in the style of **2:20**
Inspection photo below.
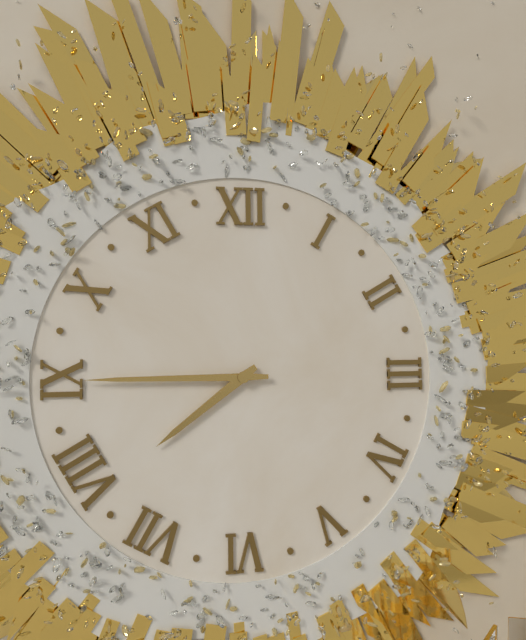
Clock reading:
**7:45**
